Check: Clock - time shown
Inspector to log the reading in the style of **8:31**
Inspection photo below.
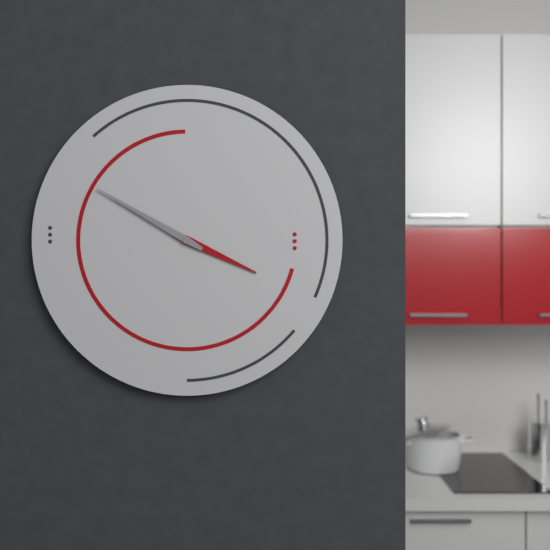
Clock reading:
**3:50**
